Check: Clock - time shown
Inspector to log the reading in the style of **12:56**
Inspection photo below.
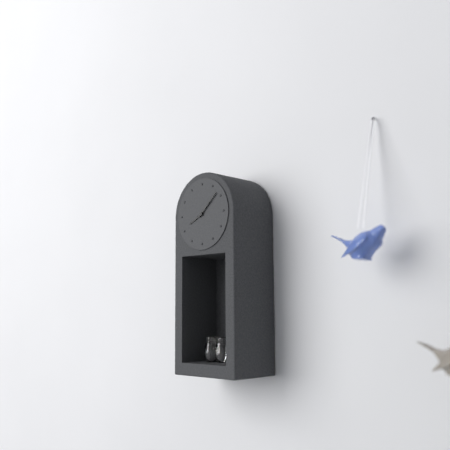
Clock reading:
**8:08**
